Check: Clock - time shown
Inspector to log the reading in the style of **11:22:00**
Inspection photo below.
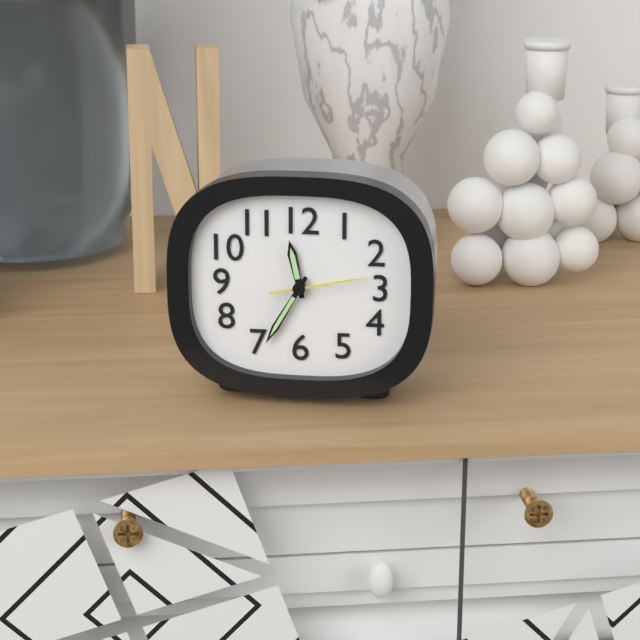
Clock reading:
**11:35:13**
